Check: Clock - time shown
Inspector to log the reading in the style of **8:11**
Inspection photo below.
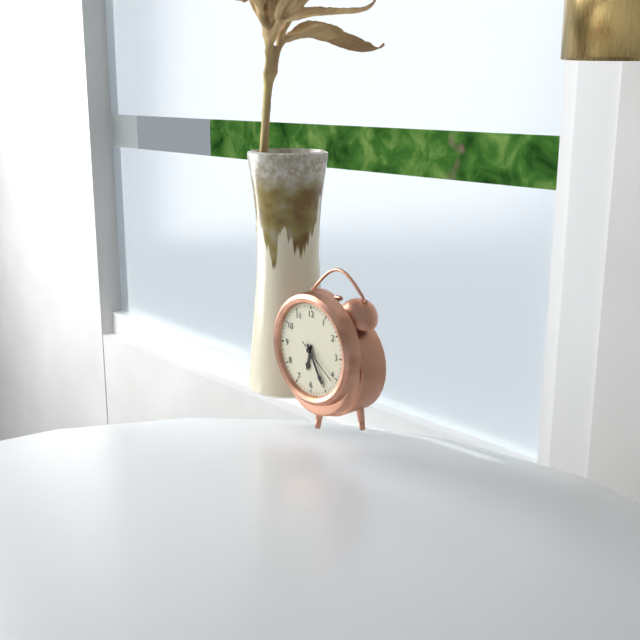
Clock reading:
**6:25**
